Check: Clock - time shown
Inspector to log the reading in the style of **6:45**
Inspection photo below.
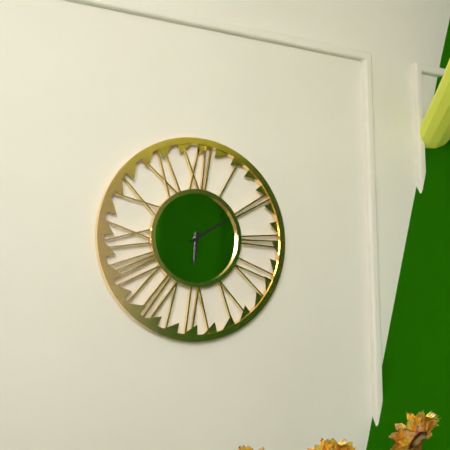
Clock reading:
**6:10**
